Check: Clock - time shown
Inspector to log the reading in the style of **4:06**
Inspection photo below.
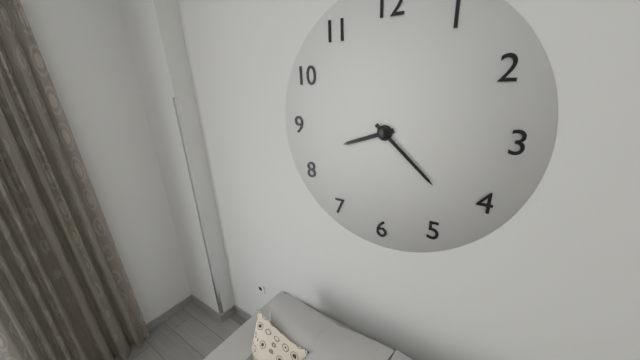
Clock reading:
**8:22**
